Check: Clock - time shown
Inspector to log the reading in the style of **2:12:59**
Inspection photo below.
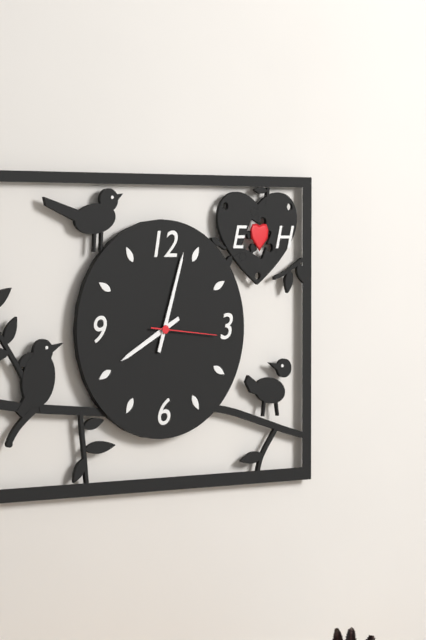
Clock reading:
**8:03:16**
